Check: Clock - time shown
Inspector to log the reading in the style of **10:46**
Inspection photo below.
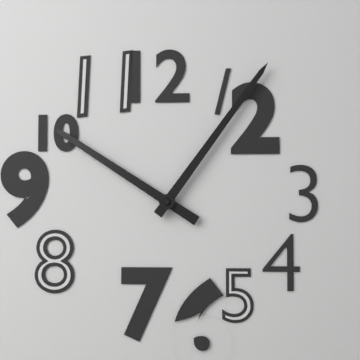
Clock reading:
**10:06**
